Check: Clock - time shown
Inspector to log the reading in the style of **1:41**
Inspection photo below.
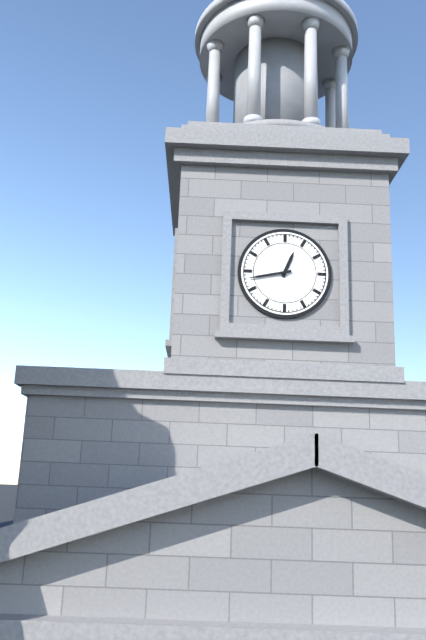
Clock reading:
**12:43**
